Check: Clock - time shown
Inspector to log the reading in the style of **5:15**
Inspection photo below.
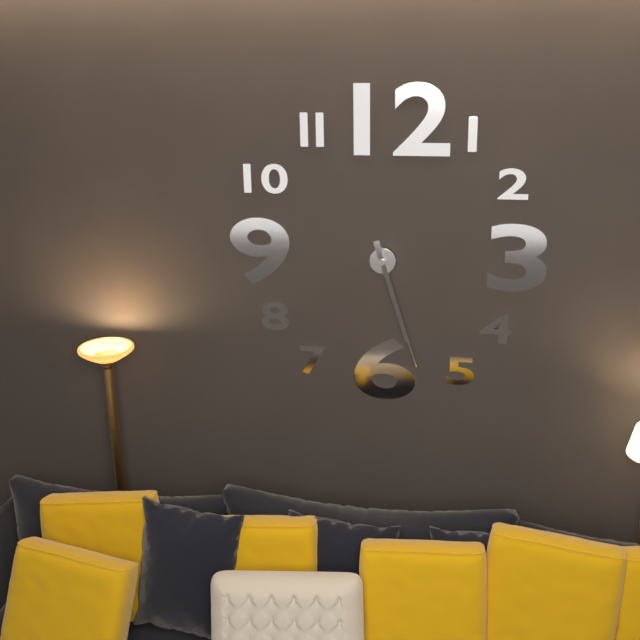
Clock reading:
**5:27**
